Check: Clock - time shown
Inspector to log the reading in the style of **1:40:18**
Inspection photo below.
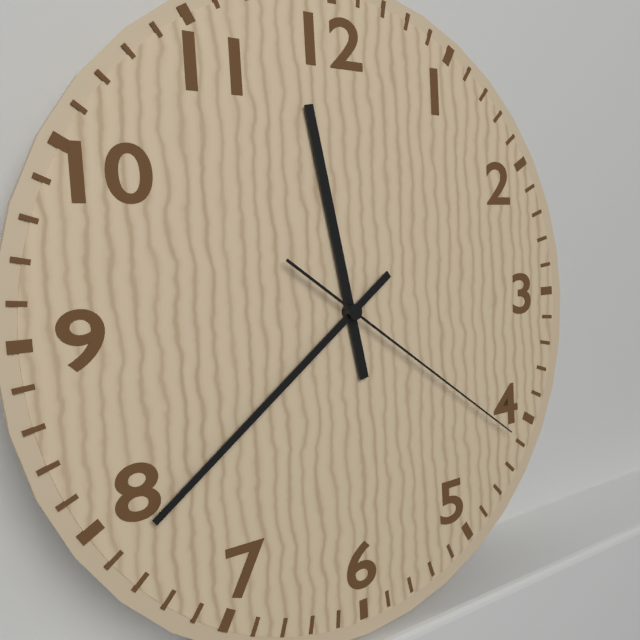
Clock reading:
**11:39:21**
